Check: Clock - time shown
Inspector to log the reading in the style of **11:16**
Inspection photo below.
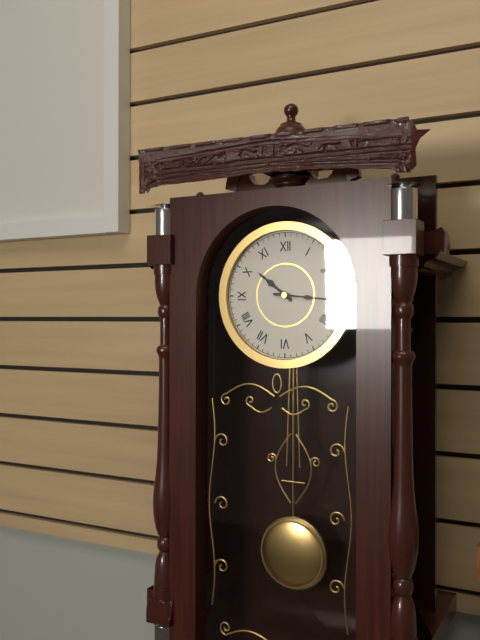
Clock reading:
**10:16**
